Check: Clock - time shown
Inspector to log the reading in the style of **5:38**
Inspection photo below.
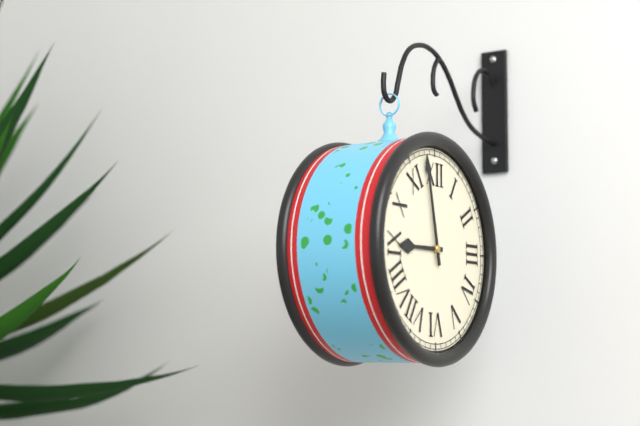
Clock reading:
**8:58**
